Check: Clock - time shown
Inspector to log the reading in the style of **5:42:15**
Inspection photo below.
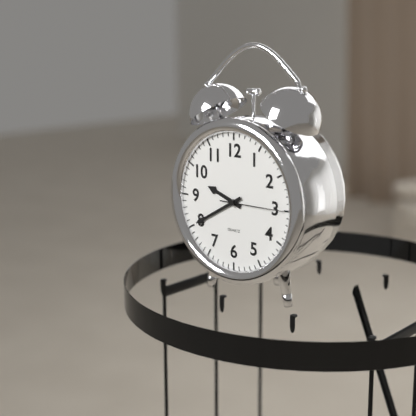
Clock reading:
**9:40:15**
